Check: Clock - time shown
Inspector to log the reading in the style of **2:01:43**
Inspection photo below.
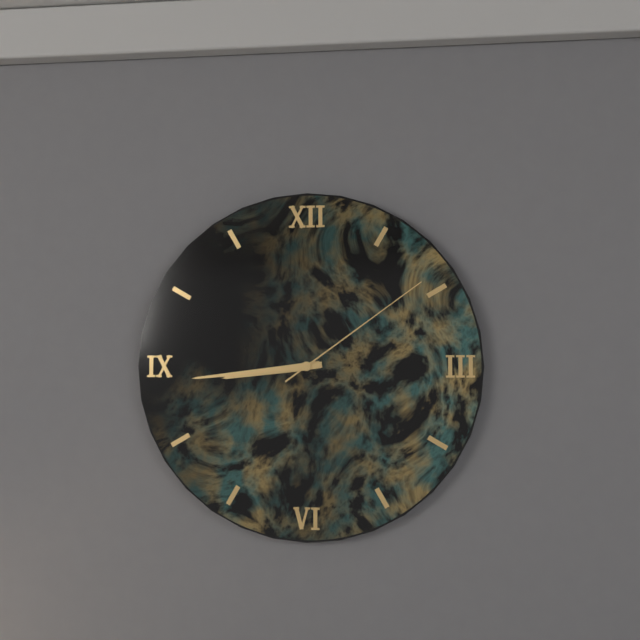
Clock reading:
**8:44:09**
